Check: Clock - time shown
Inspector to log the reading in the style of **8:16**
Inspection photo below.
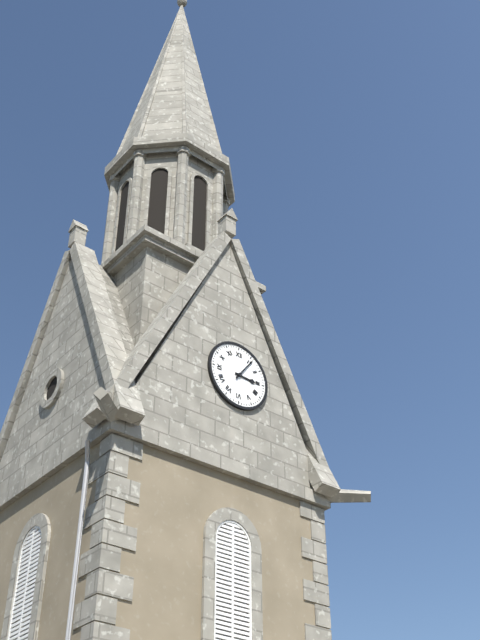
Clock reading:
**3:06**
